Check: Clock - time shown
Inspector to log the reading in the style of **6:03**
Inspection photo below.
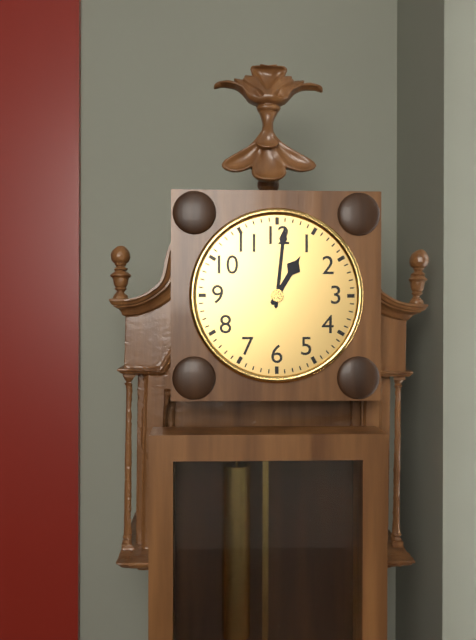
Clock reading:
**1:01**
